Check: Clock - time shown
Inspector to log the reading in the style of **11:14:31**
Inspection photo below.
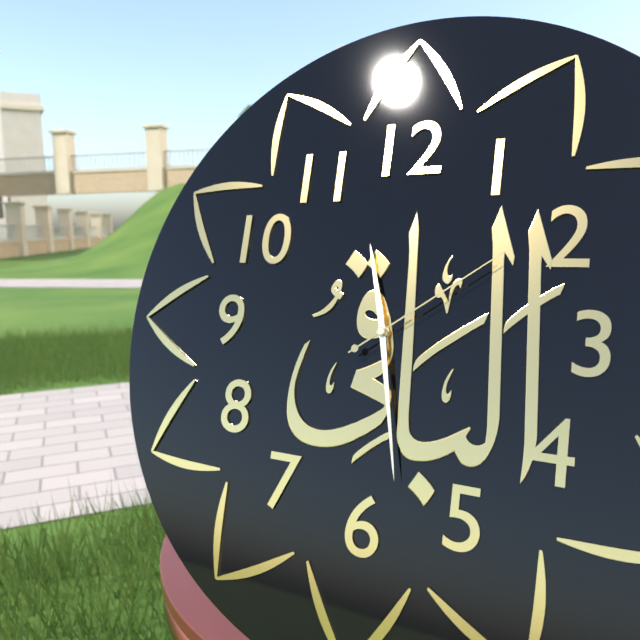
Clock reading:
**11:28:09**
